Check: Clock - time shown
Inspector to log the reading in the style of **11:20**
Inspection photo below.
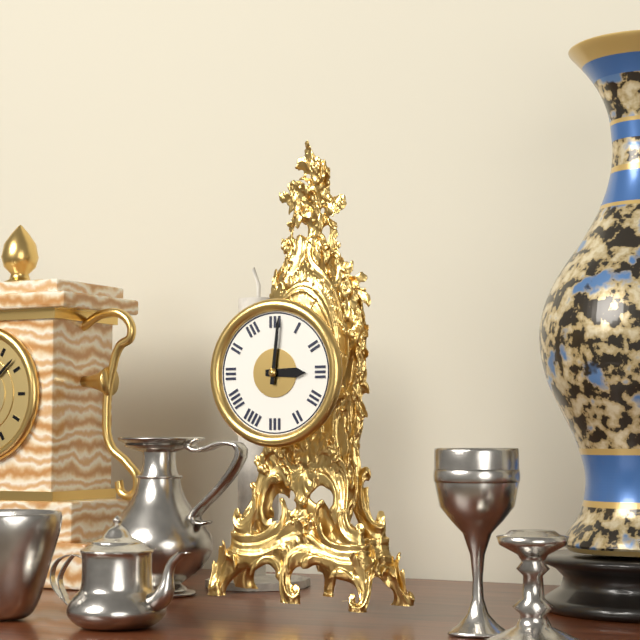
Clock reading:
**3:01**
